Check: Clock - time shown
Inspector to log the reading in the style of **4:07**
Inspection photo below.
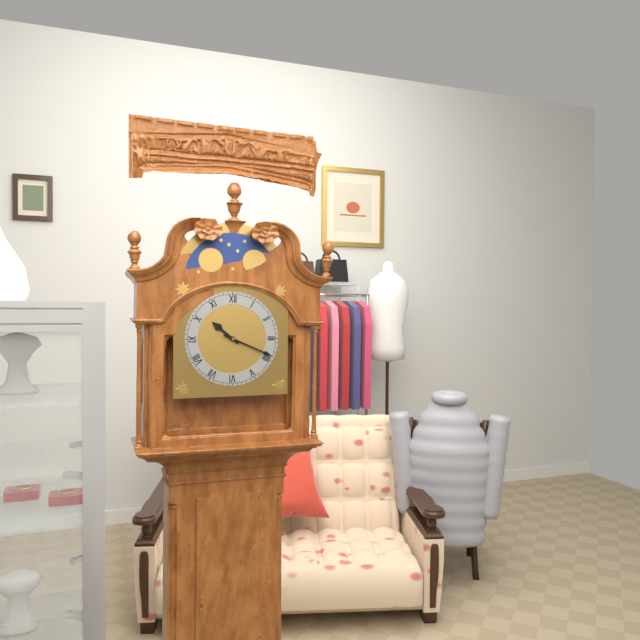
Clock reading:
**10:19**
